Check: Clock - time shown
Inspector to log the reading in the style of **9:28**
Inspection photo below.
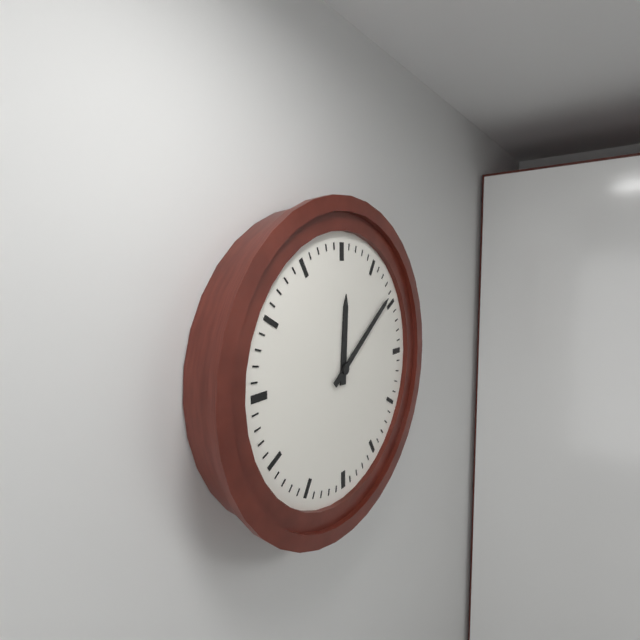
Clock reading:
**12:09**
